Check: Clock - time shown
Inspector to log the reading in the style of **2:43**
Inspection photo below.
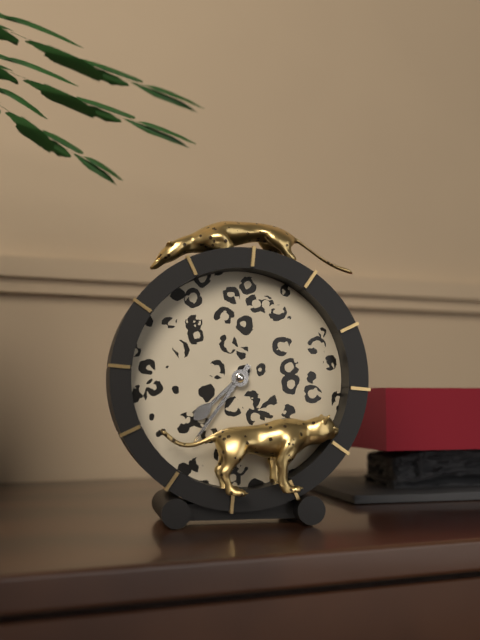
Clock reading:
**7:36**
